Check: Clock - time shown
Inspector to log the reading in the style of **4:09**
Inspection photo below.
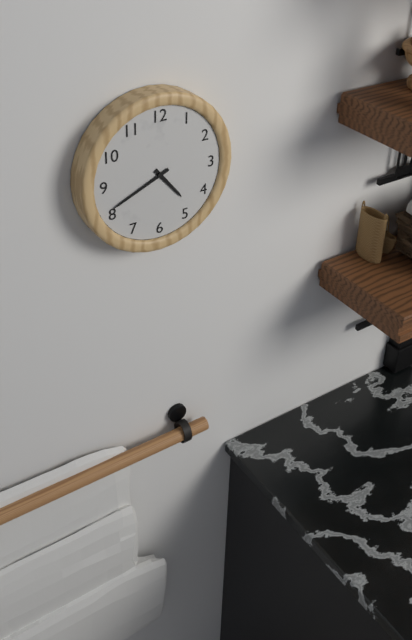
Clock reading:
**4:41**
